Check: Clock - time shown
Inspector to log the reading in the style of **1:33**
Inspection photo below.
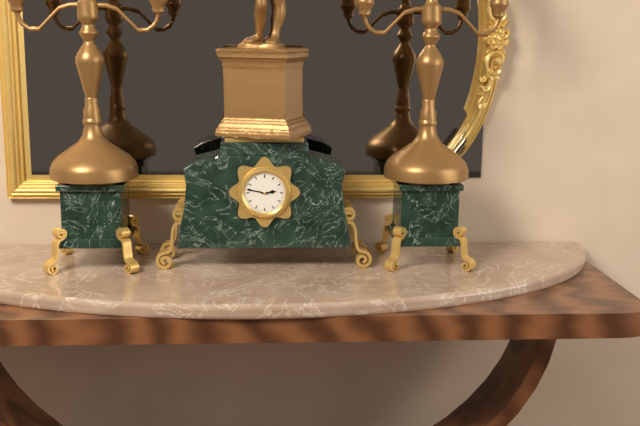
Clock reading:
**2:47**
